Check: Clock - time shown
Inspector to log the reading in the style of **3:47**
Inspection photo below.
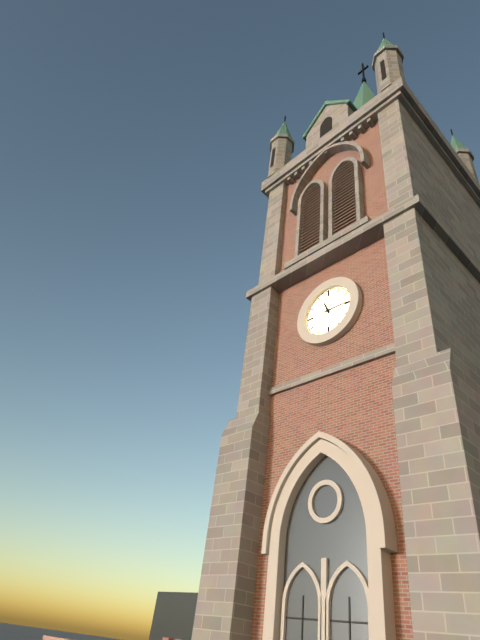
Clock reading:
**11:15**
